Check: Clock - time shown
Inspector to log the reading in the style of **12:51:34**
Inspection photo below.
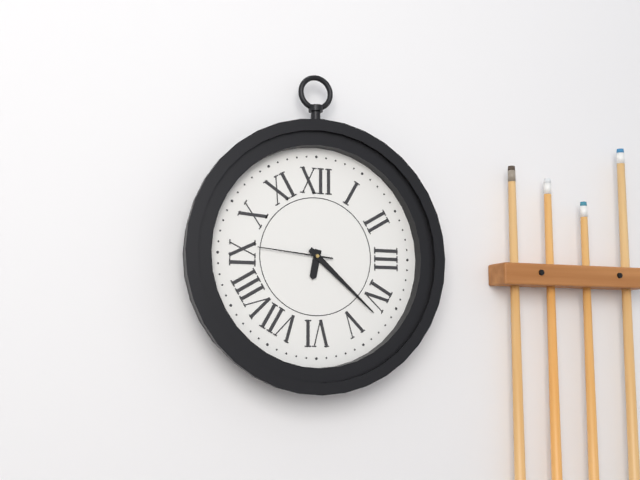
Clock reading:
**6:22:46**
